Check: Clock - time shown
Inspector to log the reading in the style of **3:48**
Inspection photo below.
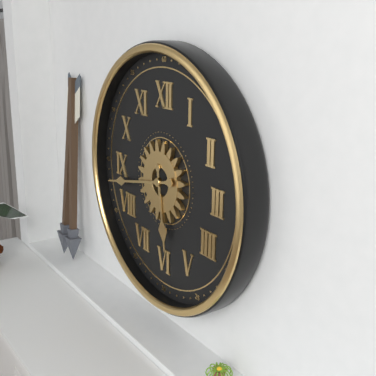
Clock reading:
**5:43**
